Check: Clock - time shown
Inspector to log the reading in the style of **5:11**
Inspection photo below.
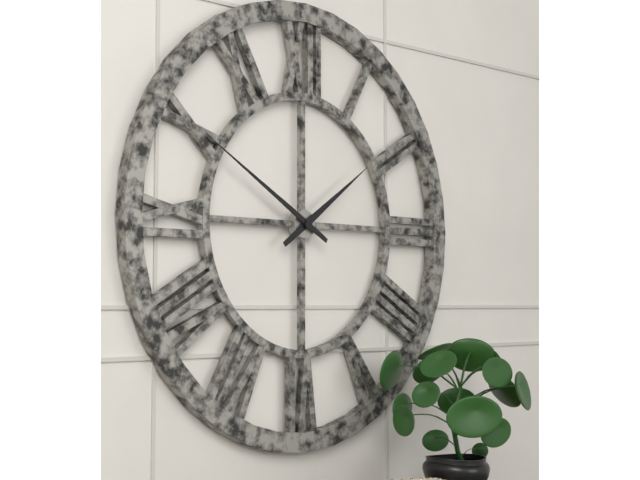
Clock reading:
**1:50**
